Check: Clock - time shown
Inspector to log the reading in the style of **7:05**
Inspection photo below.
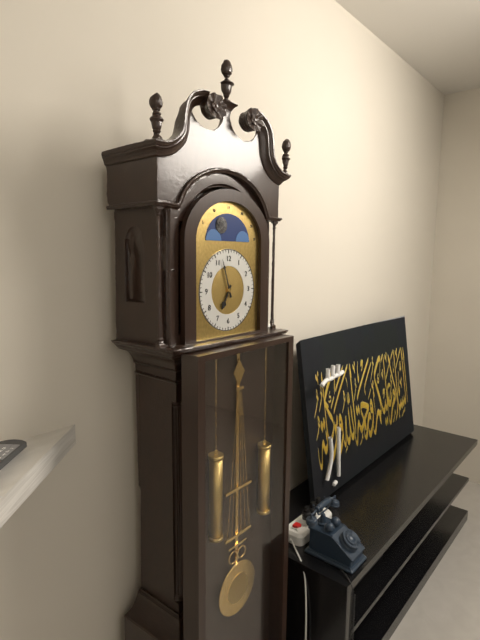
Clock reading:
**6:57**
